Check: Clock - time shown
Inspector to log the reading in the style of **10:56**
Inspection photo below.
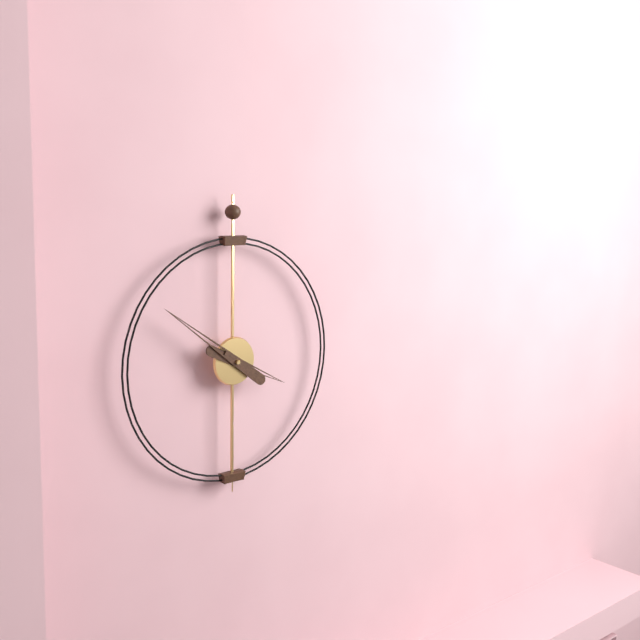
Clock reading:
**3:51**
